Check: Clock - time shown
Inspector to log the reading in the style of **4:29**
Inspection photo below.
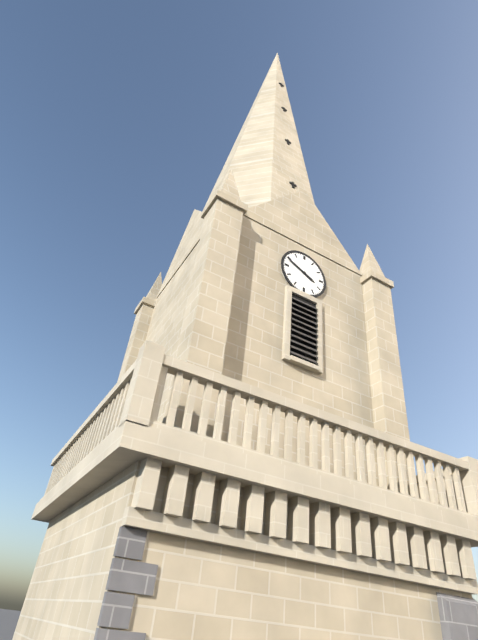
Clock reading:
**3:49**
